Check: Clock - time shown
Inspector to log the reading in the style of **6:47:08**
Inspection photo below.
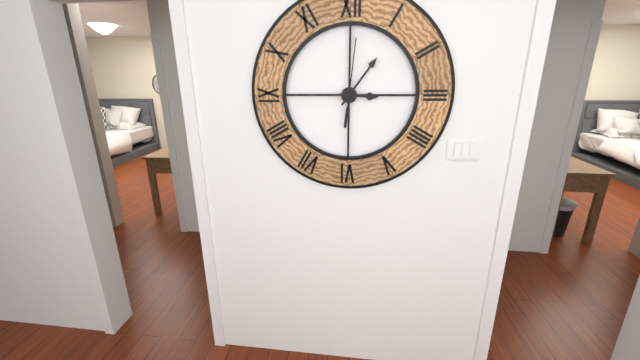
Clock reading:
**3:06:01**
